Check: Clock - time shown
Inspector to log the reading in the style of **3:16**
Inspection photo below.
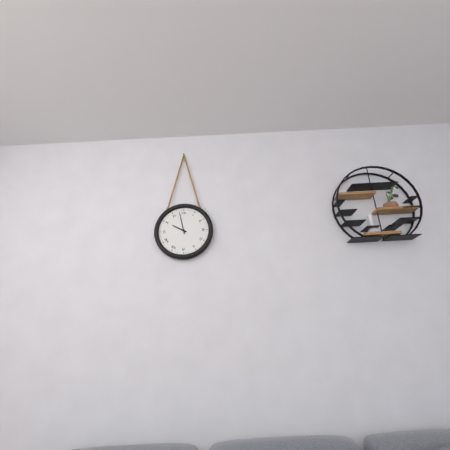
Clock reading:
**9:58**
